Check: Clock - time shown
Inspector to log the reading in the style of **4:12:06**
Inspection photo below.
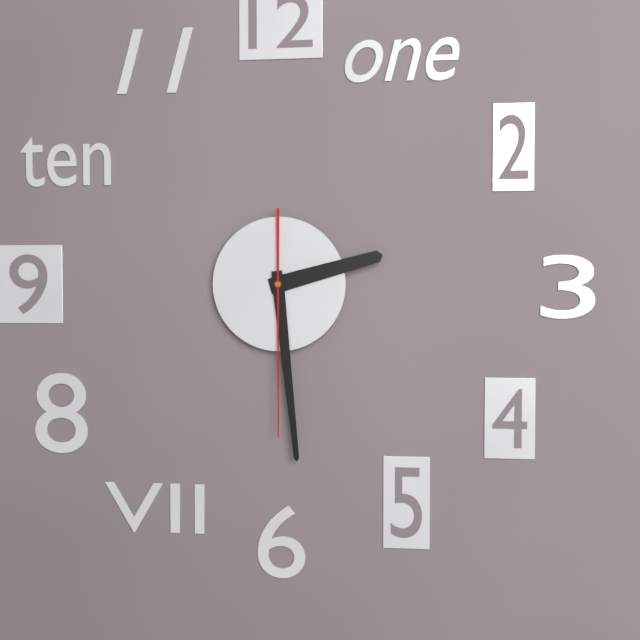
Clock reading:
**2:29:30**
